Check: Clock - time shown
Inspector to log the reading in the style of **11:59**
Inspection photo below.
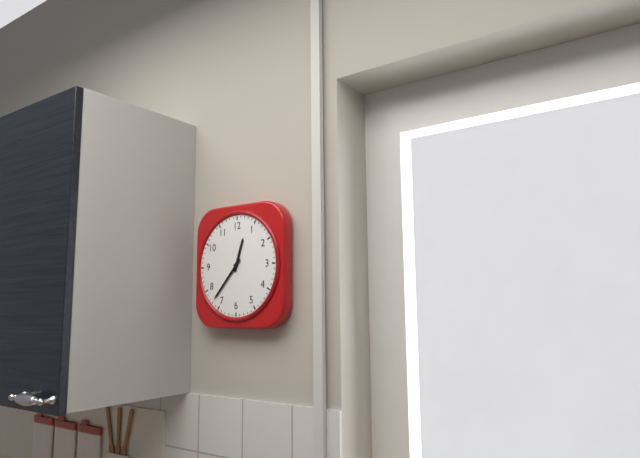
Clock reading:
**12:37**
